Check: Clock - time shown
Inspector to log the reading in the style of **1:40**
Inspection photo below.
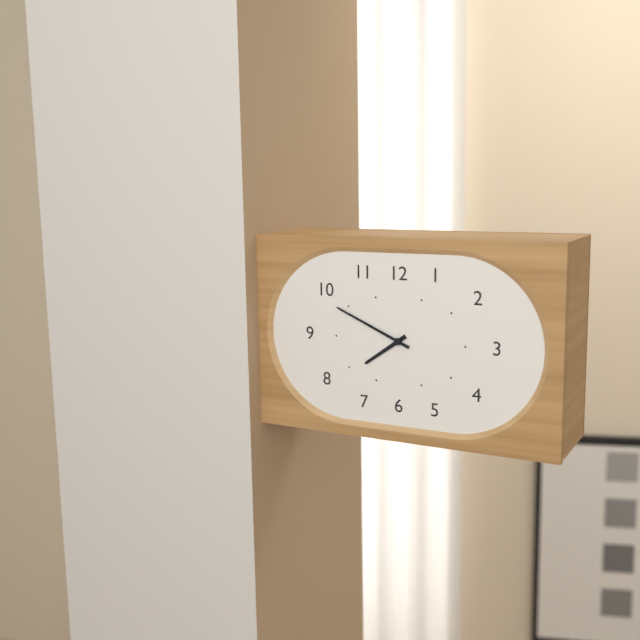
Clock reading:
**7:49**
